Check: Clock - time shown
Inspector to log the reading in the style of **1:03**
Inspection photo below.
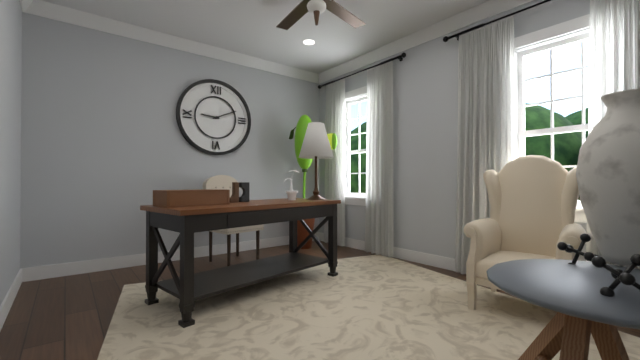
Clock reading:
**9:11**
